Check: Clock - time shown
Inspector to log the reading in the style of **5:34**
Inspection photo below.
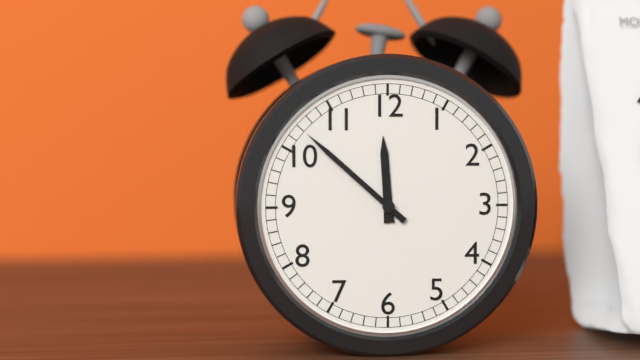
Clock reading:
**11:52**
